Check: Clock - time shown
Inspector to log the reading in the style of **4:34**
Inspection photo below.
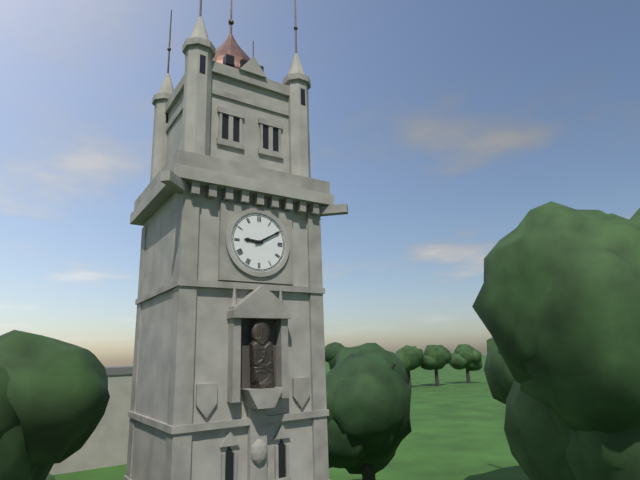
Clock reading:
**9:10**
